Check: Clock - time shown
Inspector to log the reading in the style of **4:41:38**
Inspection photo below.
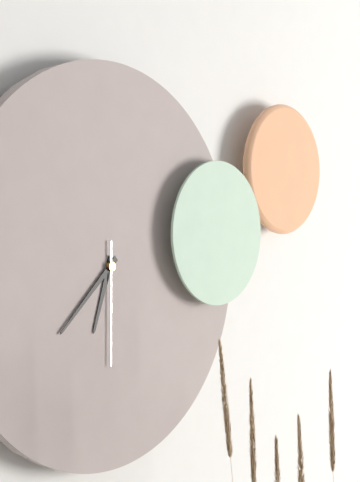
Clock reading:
**6:38:30**
